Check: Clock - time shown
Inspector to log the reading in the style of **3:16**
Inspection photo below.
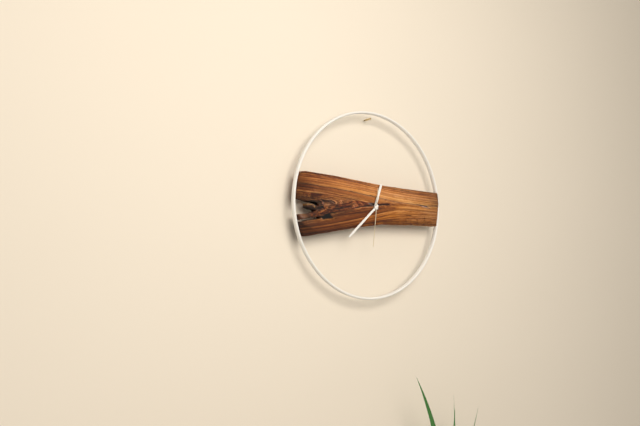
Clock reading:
**12:38**
